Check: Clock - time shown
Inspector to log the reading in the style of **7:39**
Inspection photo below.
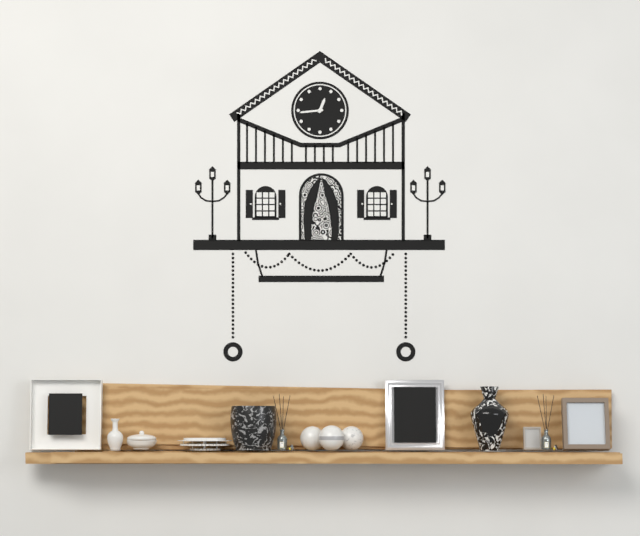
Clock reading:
**12:44**
